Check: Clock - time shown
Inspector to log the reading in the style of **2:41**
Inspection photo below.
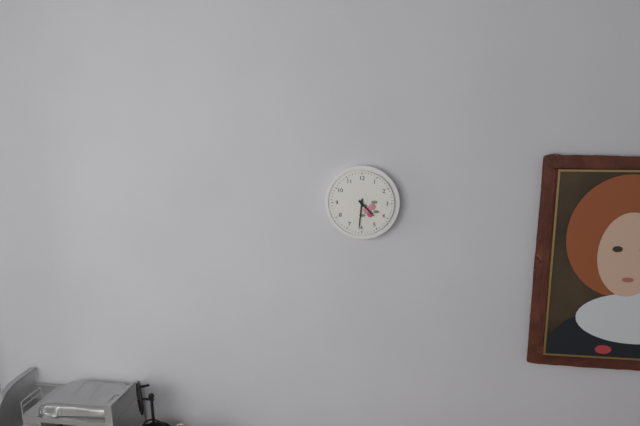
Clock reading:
**4:31**
